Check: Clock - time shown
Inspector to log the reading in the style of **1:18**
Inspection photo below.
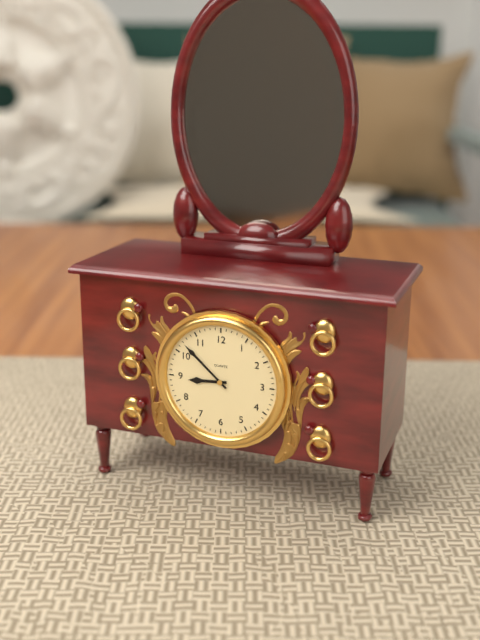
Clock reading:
**8:52**
